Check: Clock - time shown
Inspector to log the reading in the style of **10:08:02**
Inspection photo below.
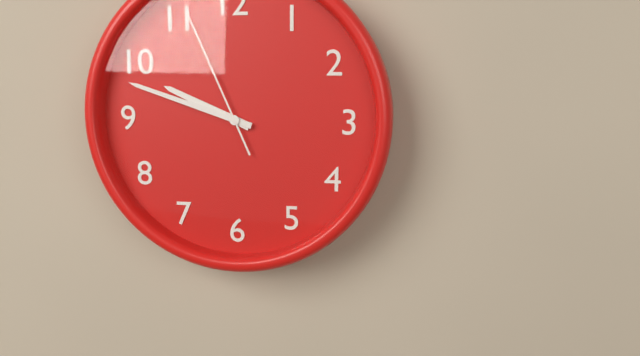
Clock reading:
**9:48:56**
